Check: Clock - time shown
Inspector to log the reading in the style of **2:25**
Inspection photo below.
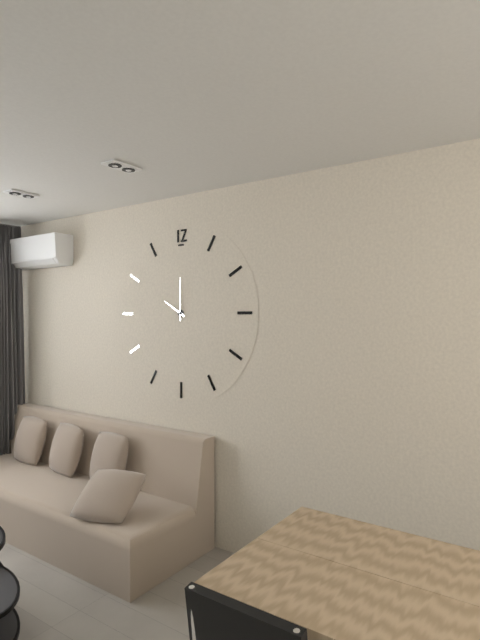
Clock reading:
**10:00**
